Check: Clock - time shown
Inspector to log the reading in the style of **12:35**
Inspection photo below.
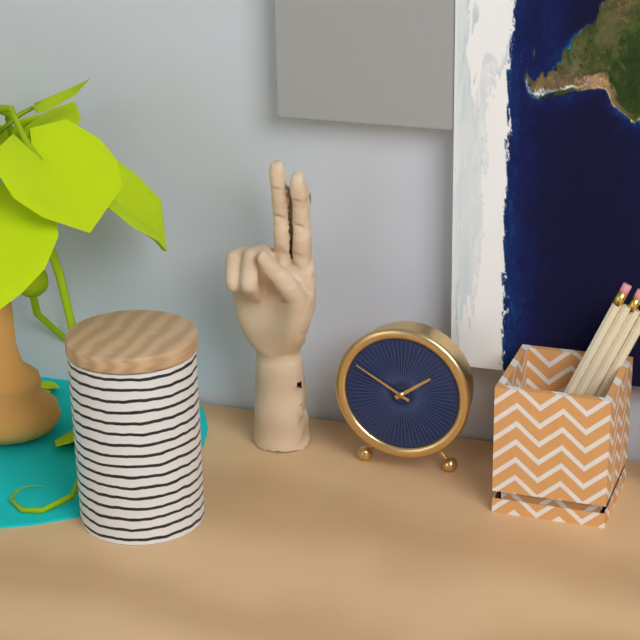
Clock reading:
**1:50**
